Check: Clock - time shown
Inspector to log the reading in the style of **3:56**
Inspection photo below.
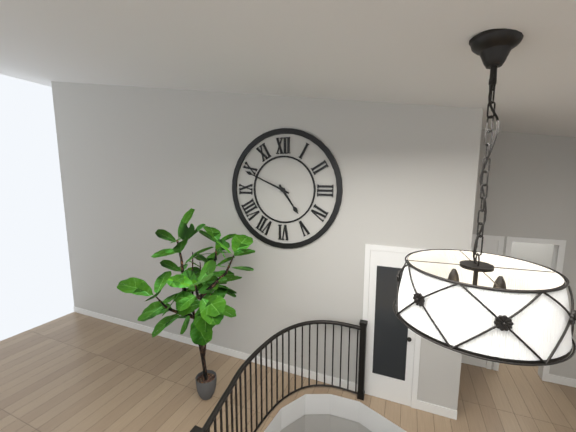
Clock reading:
**4:49**
